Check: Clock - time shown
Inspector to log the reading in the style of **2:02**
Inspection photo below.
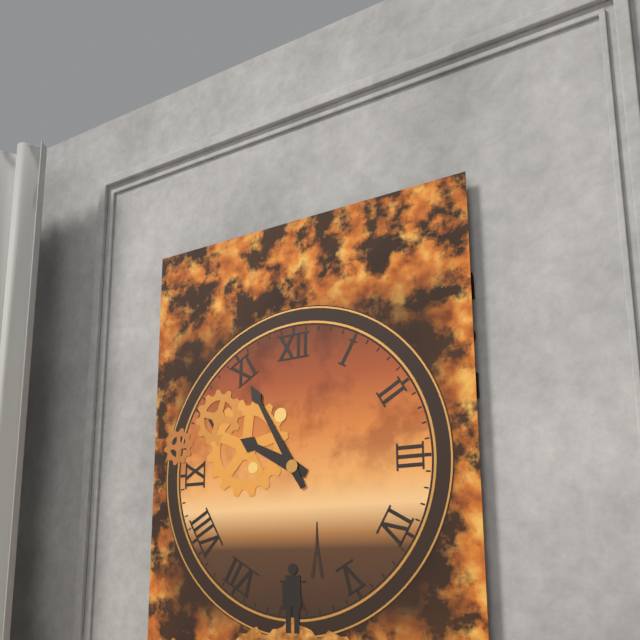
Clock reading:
**9:55**
